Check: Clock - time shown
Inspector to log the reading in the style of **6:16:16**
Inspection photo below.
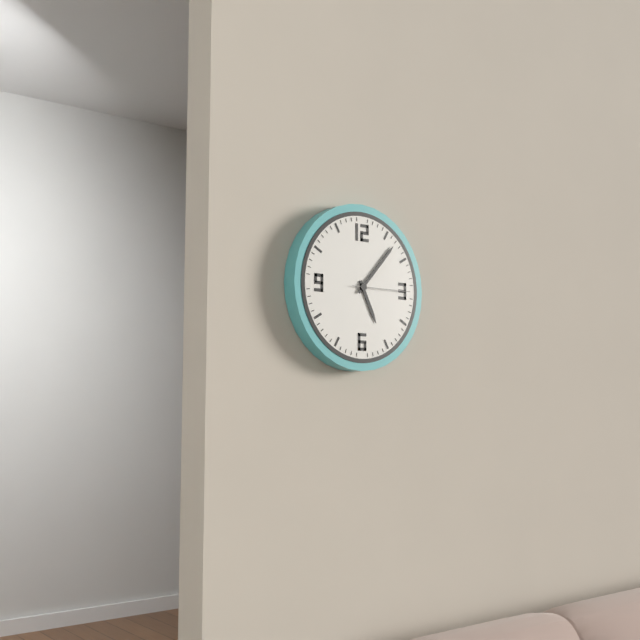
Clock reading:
**5:07:15**
